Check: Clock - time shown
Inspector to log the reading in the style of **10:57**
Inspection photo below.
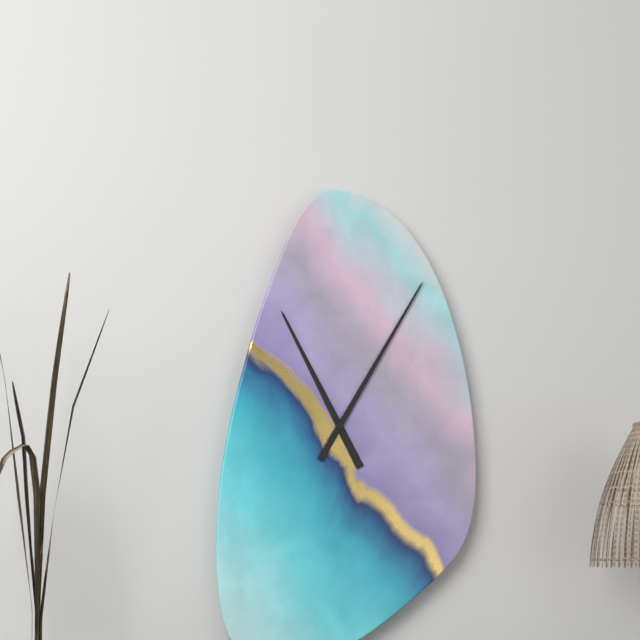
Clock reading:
**11:05**
